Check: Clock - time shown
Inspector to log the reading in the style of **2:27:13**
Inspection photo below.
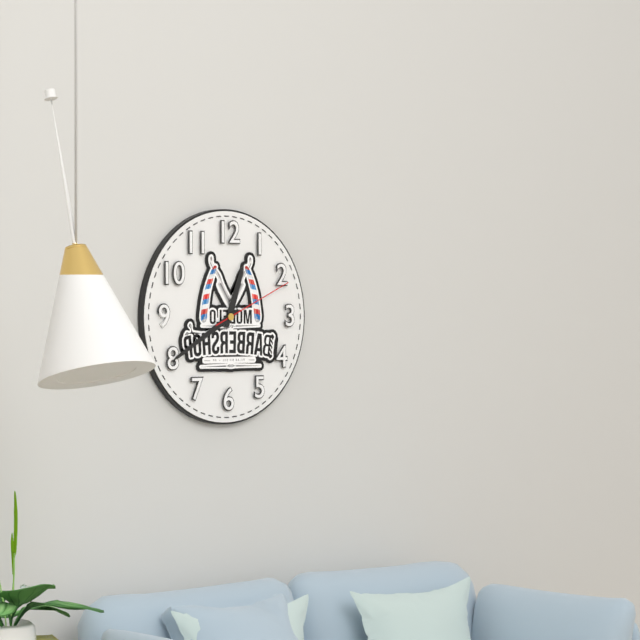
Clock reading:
**12:40:11**
